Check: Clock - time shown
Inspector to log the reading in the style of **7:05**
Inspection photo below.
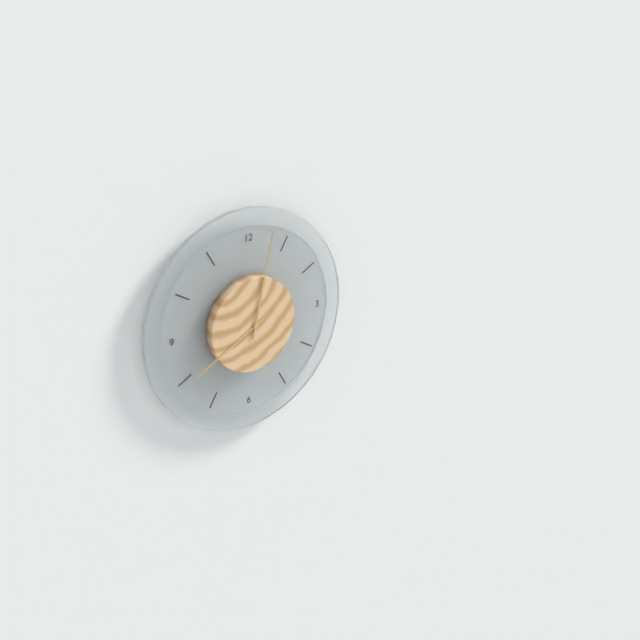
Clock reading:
**8:02**
